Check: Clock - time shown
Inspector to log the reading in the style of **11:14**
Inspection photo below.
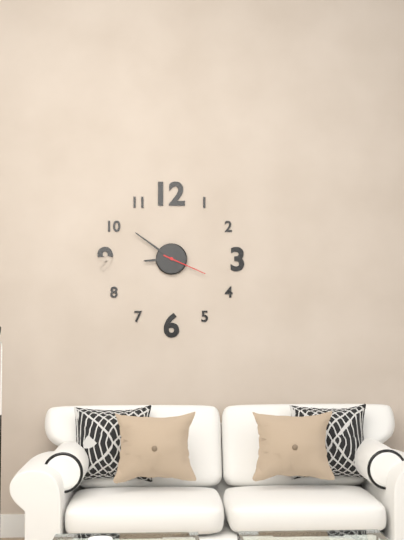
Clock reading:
**8:51**
